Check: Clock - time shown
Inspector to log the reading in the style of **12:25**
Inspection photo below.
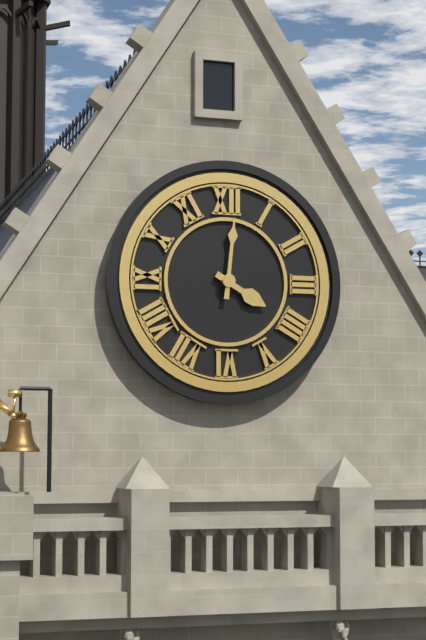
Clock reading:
**4:01**
